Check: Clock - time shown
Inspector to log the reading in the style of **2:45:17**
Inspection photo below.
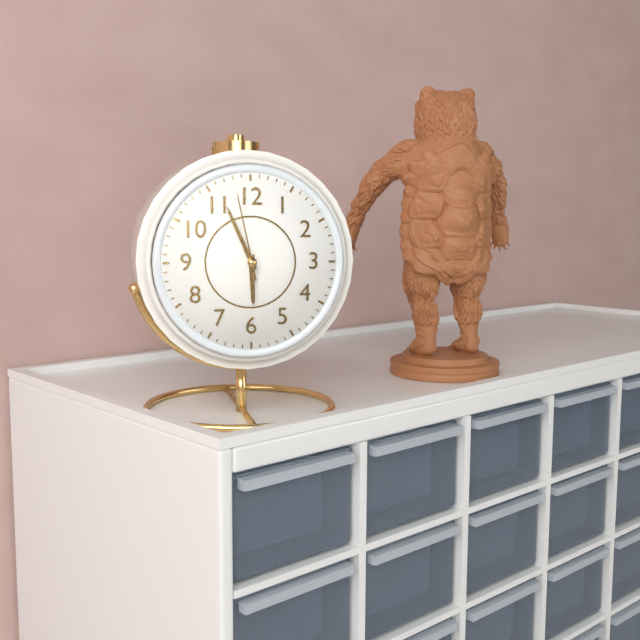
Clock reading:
**5:56:58**
